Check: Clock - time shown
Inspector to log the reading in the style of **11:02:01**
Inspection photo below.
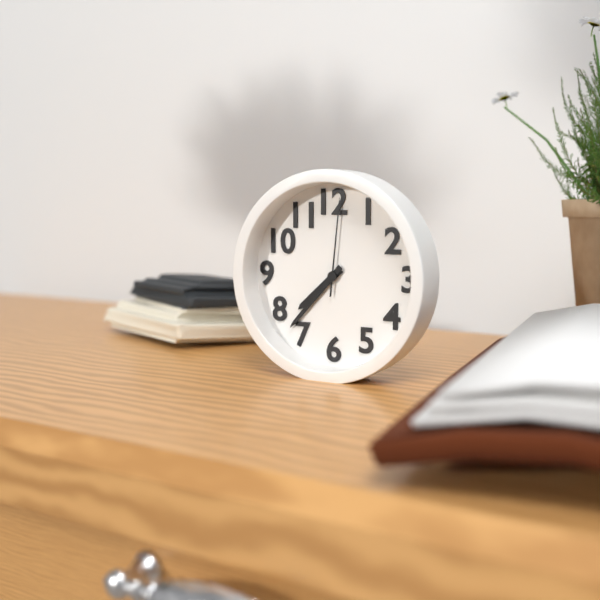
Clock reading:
**7:37:01**
